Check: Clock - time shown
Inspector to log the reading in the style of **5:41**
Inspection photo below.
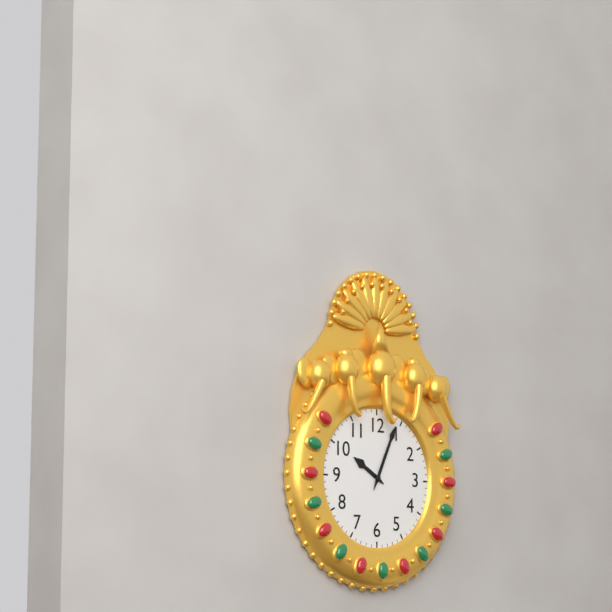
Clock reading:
**10:04**
